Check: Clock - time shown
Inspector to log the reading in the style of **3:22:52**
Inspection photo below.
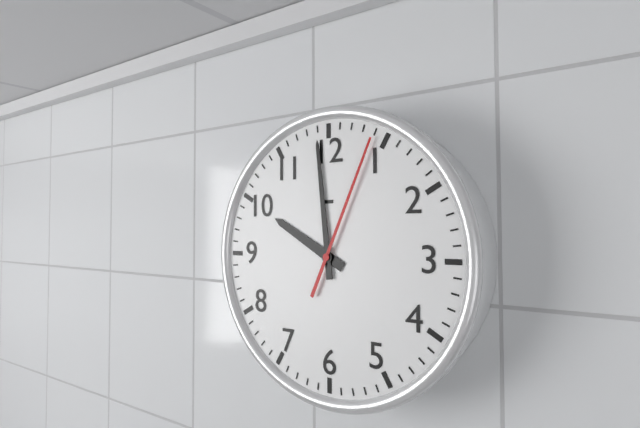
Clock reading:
**9:59:04**
